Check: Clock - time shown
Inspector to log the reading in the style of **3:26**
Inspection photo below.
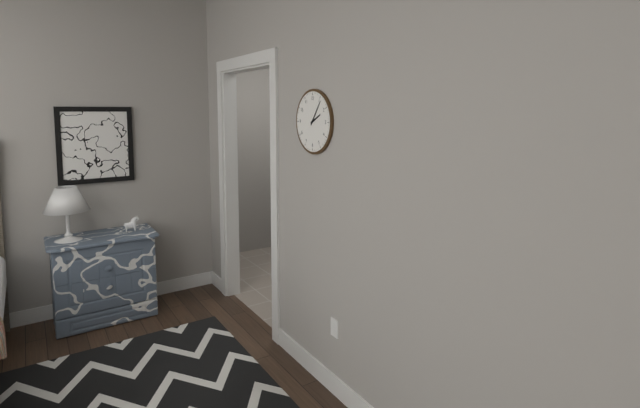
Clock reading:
**2:06**
